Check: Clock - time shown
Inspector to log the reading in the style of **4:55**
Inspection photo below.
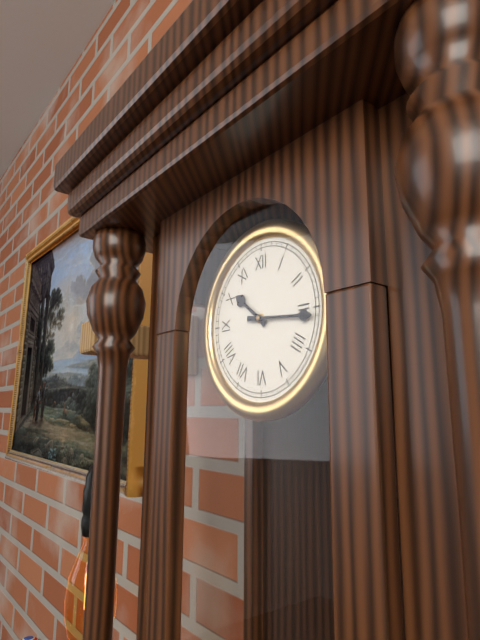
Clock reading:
**10:16**
